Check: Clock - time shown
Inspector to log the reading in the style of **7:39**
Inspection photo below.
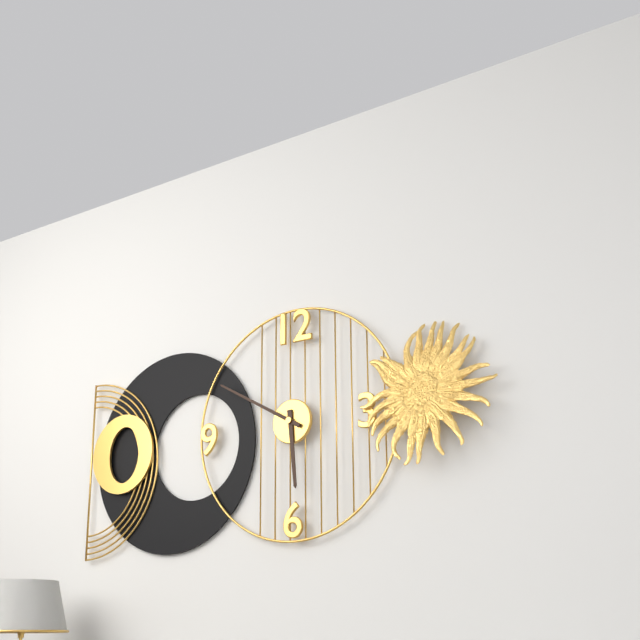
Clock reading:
**5:50**
